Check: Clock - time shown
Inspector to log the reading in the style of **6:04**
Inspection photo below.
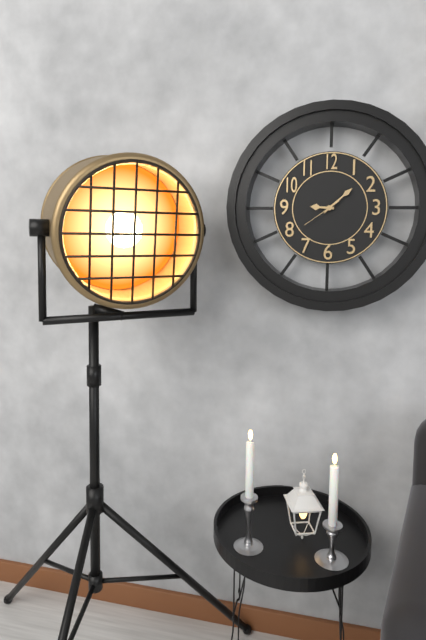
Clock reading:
**9:08**
